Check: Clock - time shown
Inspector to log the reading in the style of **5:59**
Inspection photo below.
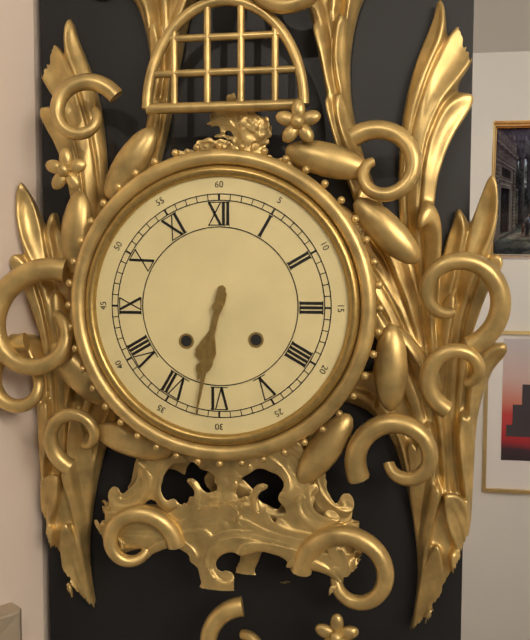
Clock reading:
**6:32**
